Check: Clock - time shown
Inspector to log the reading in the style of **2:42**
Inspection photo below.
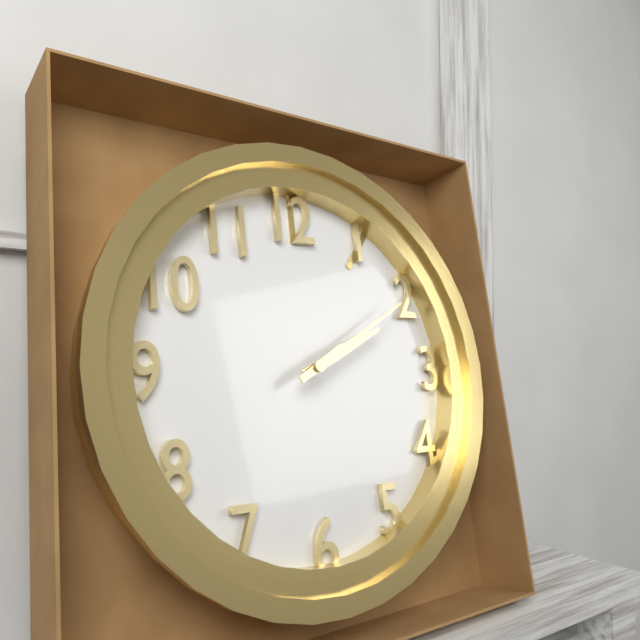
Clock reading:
**2:10**
